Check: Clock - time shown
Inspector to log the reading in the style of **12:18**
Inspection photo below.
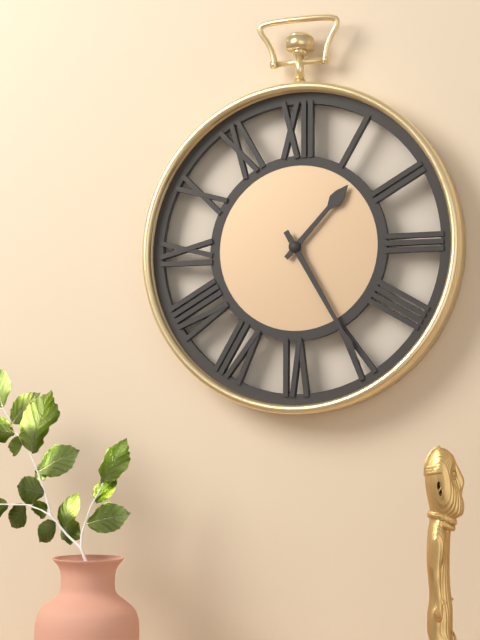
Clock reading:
**1:25**
